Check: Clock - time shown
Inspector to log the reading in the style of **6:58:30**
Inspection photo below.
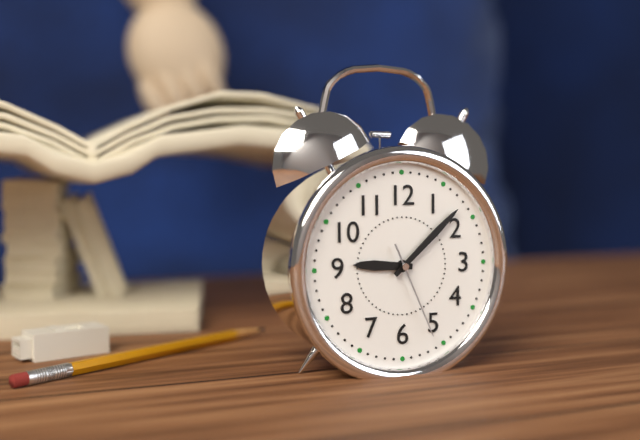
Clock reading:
**9:08:26**
